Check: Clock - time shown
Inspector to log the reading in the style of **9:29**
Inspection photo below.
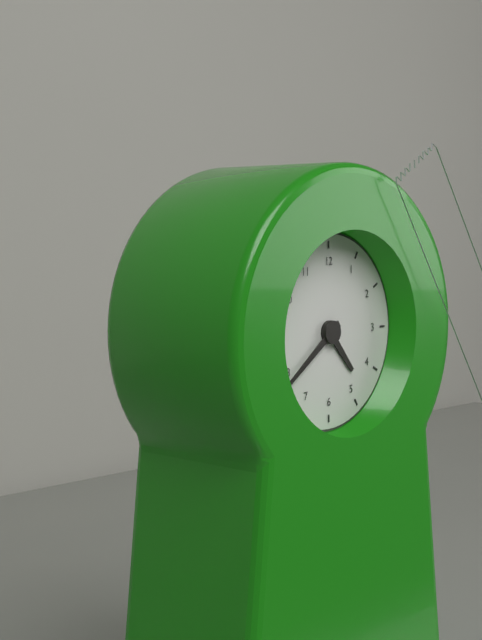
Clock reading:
**4:39**
